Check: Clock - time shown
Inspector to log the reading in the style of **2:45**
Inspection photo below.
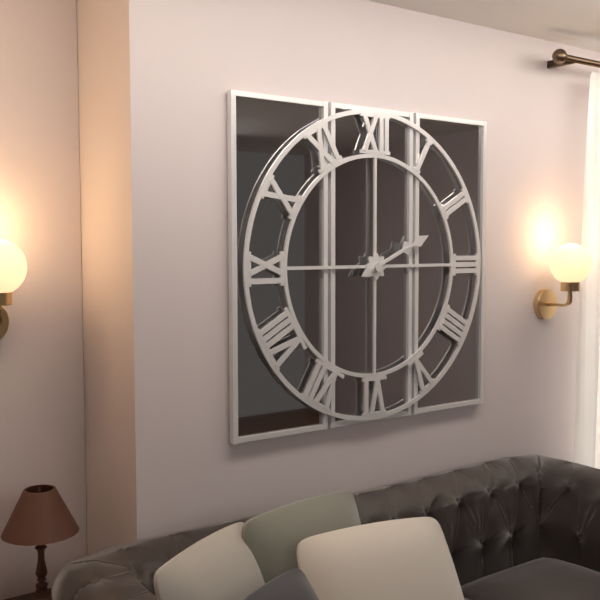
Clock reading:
**2:11**
